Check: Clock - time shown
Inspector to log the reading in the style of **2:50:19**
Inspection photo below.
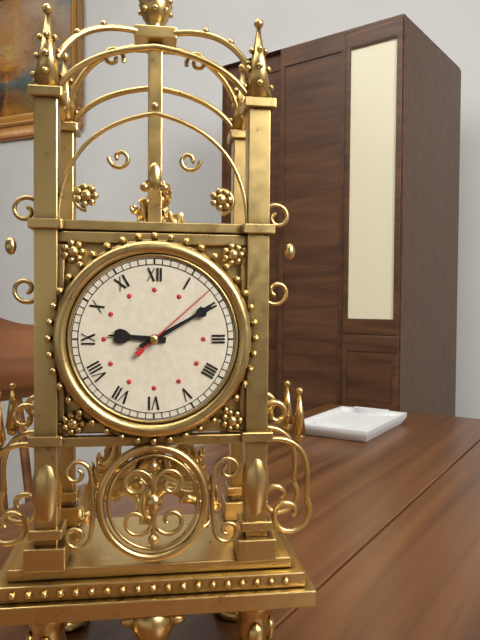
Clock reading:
**9:10:08**
